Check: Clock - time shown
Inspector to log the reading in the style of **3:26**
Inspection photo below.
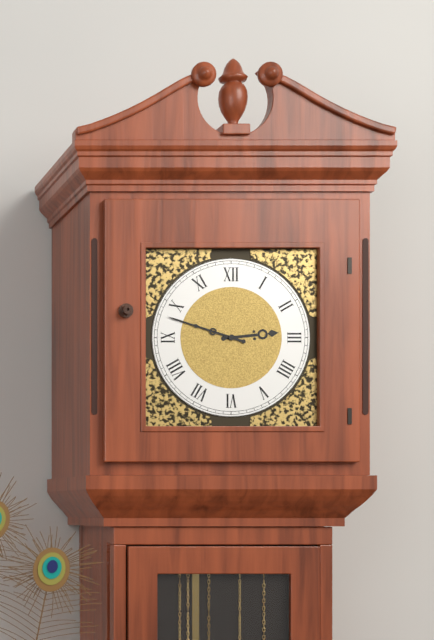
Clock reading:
**2:48**
